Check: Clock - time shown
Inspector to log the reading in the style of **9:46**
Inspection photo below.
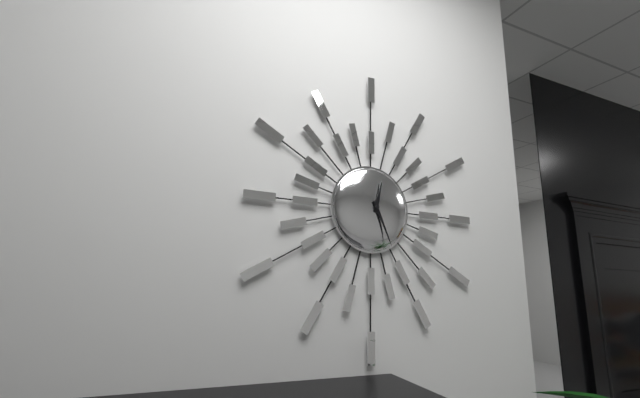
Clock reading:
**12:26**
